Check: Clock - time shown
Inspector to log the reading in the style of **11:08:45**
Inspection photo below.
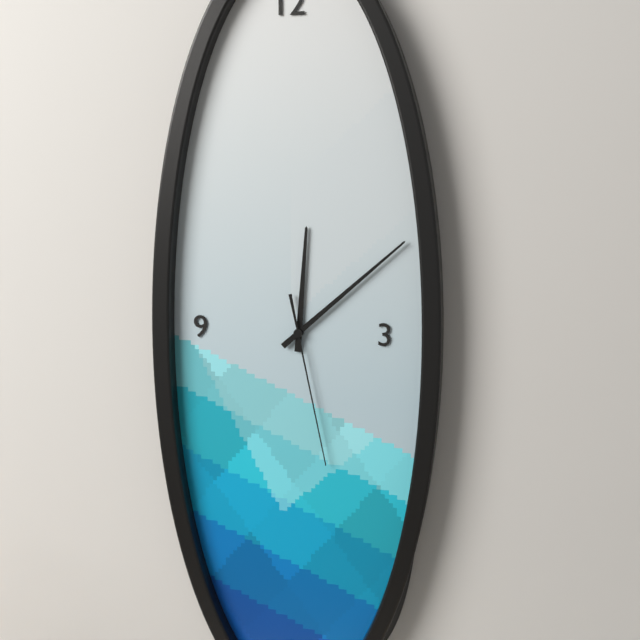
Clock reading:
**12:08:28**
